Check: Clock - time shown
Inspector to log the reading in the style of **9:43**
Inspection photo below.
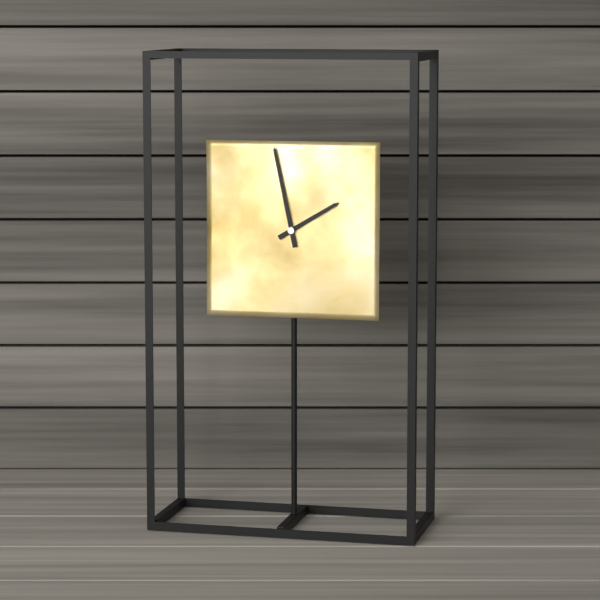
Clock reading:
**1:58**
